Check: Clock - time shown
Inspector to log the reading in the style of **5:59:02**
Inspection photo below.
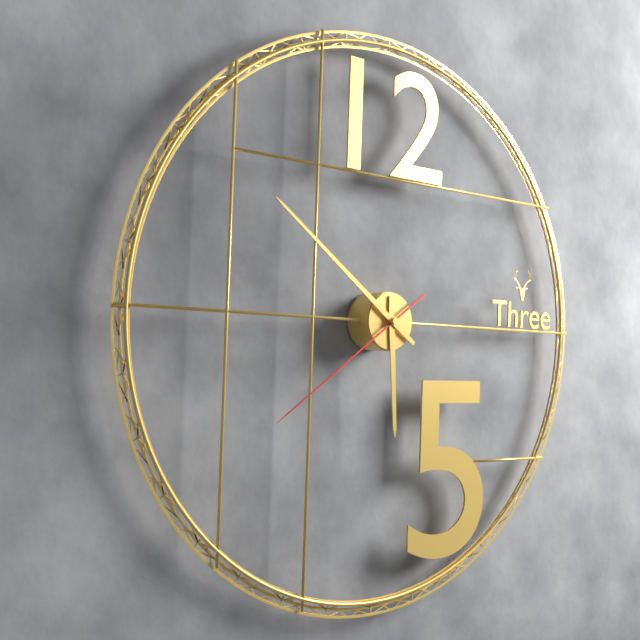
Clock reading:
**5:51:39**
